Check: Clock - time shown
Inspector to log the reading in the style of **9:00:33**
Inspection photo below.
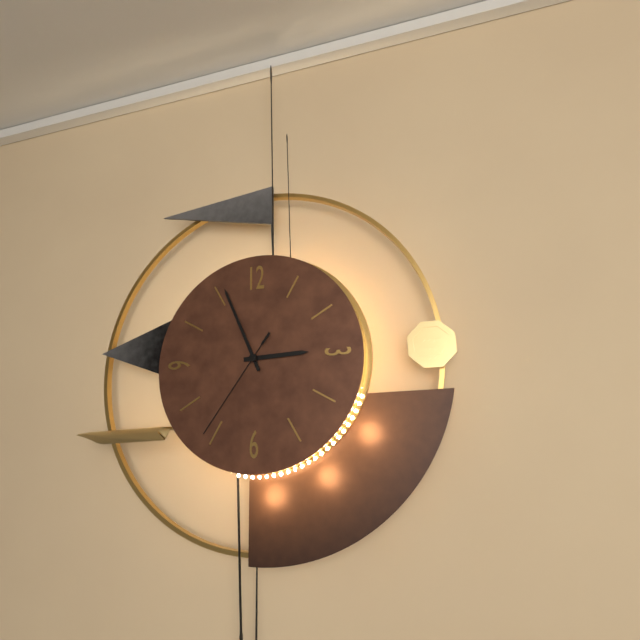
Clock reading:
**2:56:36**
